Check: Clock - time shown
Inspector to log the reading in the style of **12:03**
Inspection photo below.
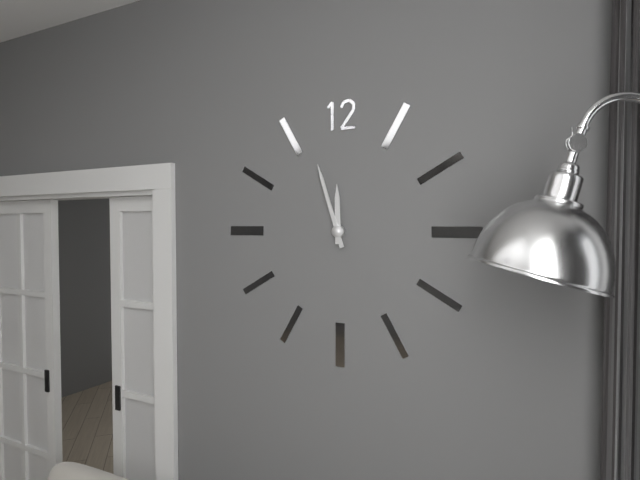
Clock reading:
**11:57**
